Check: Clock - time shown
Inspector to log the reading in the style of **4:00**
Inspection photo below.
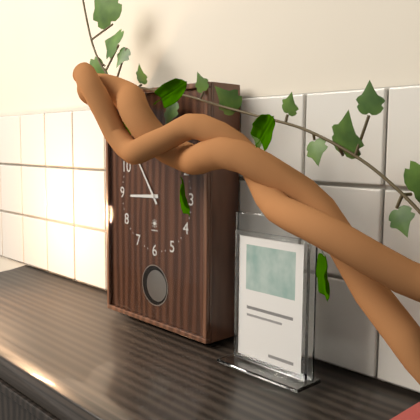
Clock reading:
**8:54**
